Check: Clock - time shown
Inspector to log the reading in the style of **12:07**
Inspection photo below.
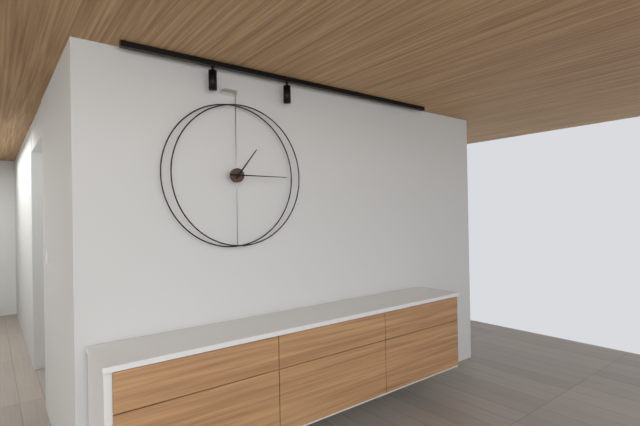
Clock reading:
**1:15**
